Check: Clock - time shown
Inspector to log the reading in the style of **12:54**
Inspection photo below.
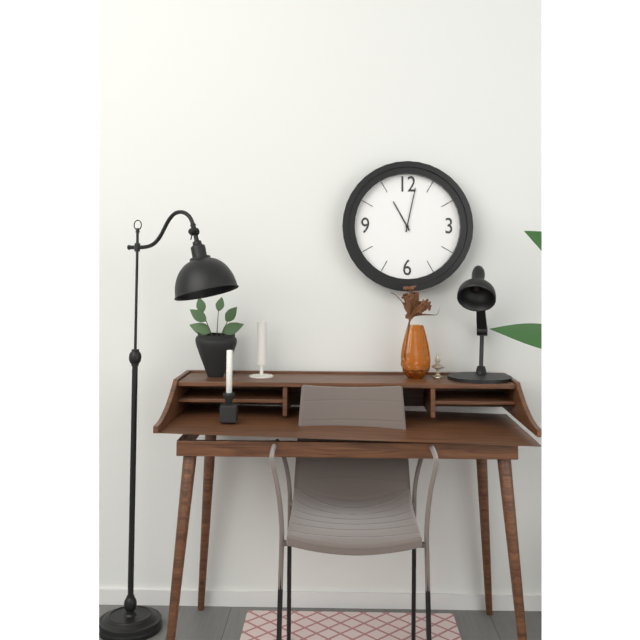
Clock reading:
**11:02**
